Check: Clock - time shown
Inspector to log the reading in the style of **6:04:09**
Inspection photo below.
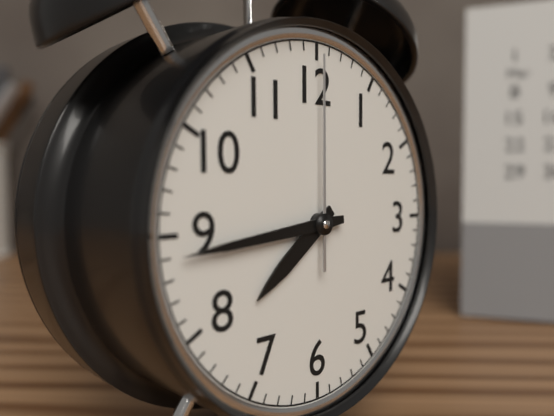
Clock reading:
**7:44:00**
